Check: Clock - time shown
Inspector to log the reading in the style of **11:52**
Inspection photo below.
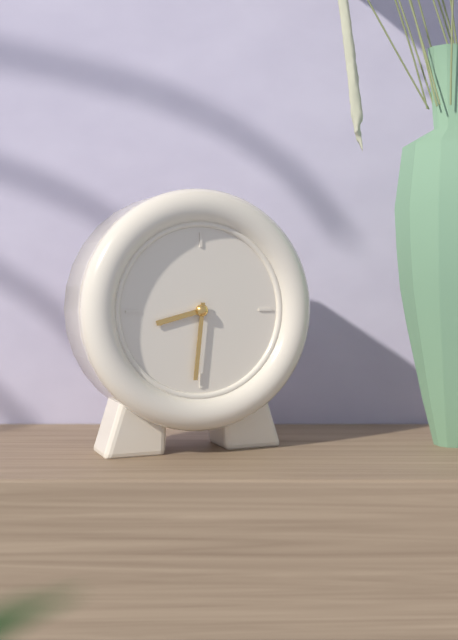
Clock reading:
**8:31**
